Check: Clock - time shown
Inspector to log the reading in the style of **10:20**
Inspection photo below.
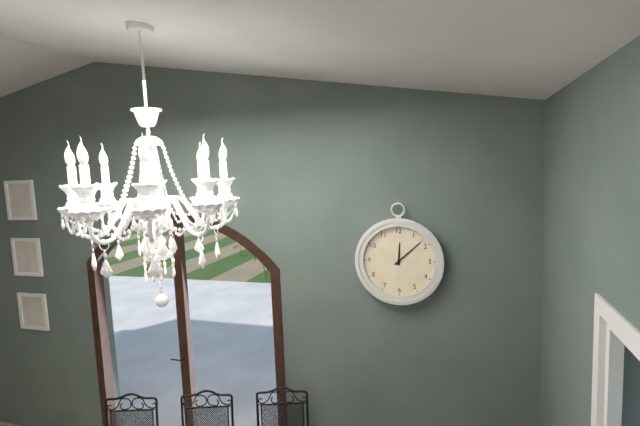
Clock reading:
**12:08**
